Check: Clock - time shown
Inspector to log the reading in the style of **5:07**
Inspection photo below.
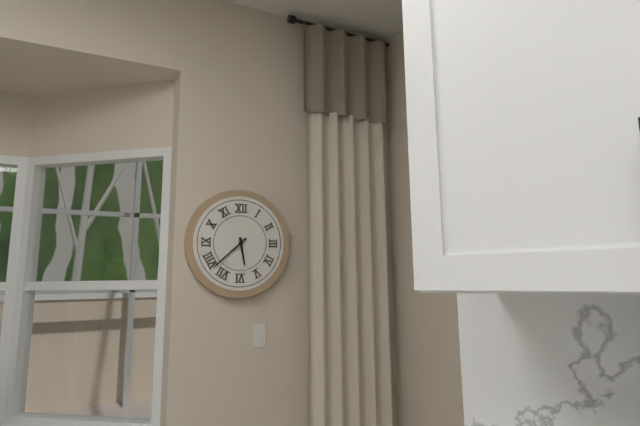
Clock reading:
**5:38**
